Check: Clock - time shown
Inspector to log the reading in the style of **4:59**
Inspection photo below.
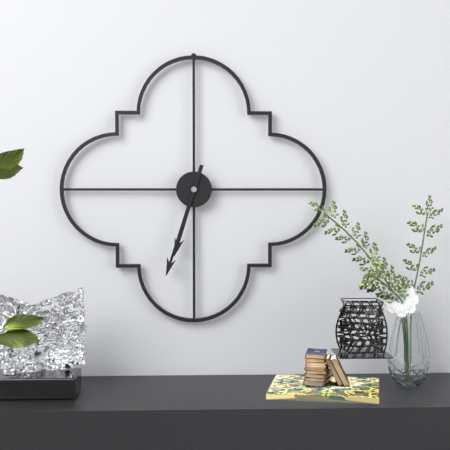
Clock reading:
**6:33**
